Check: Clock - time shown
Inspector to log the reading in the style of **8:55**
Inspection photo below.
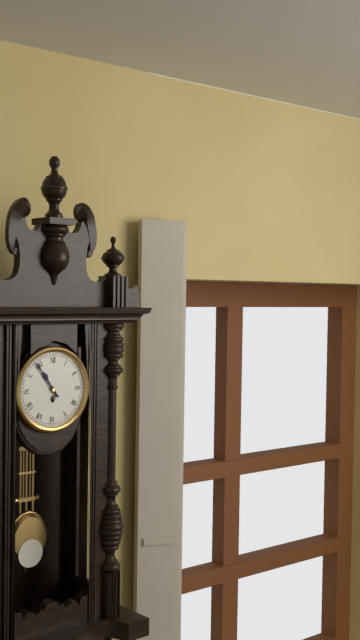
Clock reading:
**10:54**
